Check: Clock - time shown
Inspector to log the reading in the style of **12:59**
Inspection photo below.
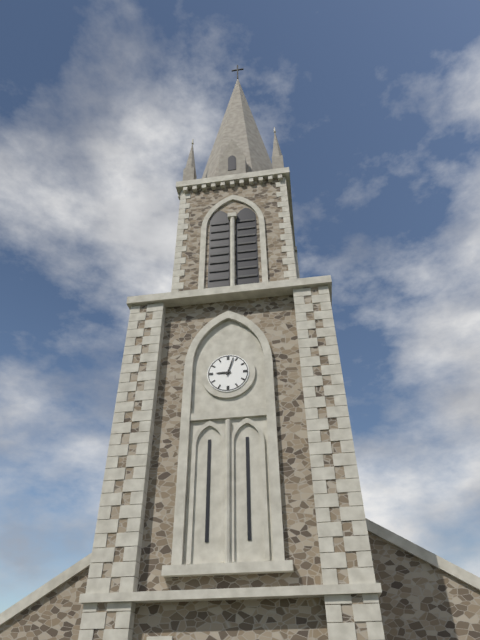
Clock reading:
**9:03**
